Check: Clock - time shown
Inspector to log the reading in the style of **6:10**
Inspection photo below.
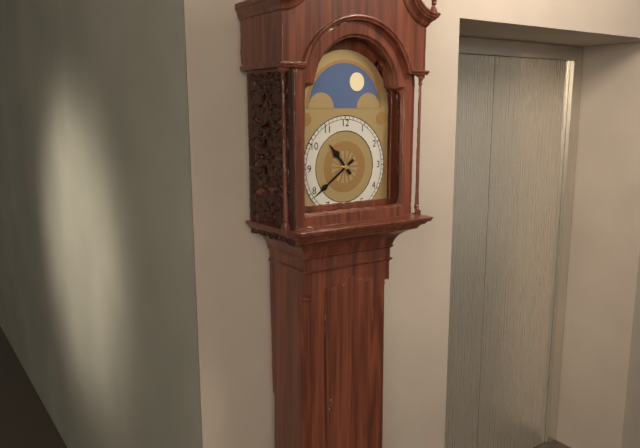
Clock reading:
**10:39**
